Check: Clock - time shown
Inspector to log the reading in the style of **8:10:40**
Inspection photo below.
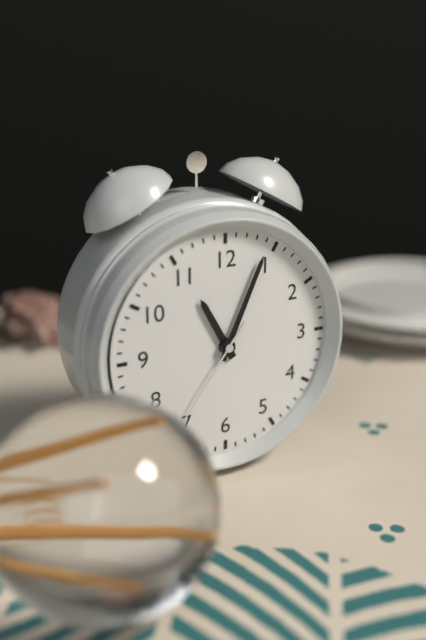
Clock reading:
**11:04:36**
